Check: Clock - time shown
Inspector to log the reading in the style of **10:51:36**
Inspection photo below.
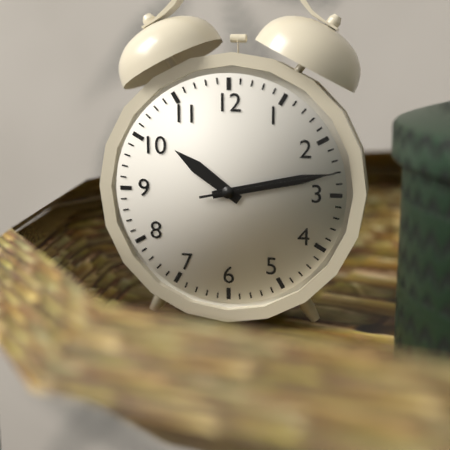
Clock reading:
**10:13:13**
